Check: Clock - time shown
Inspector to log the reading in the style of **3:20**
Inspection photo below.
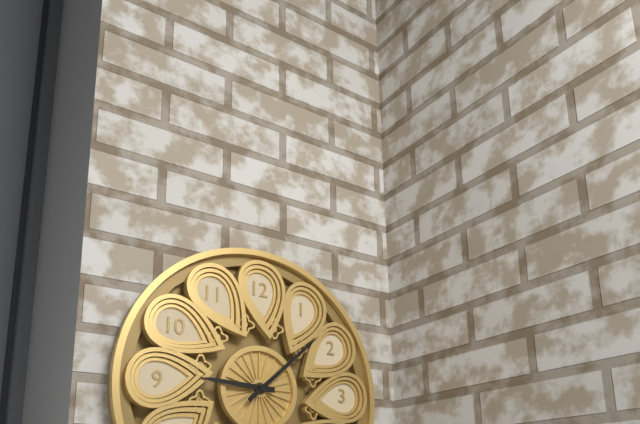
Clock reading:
**9:08**
